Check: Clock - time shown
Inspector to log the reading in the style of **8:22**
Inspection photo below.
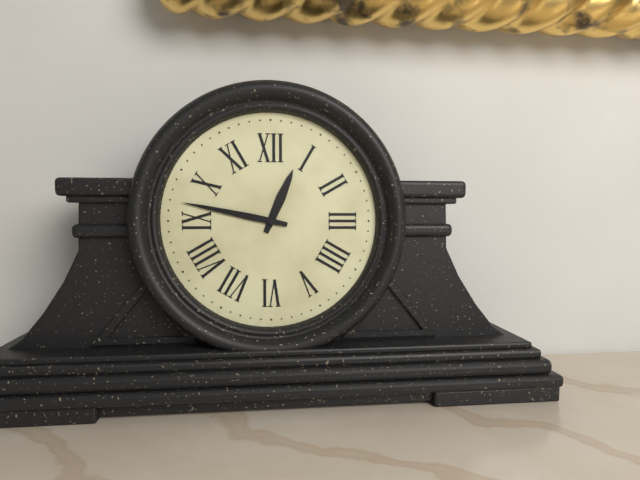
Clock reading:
**12:47**
